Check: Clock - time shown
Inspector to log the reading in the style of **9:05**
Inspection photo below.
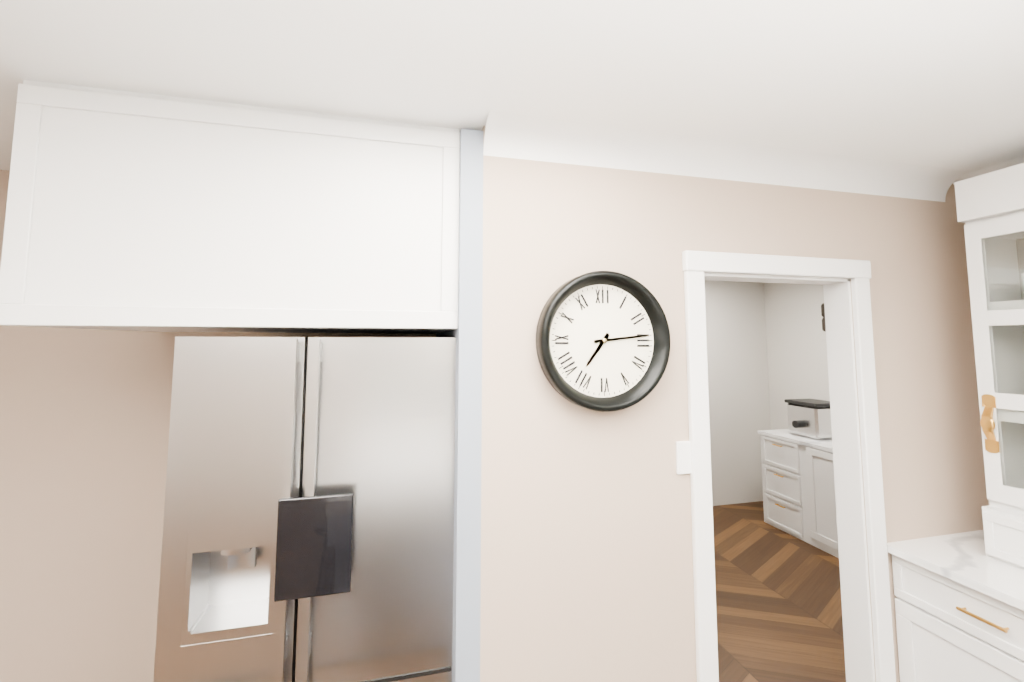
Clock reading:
**7:14**
